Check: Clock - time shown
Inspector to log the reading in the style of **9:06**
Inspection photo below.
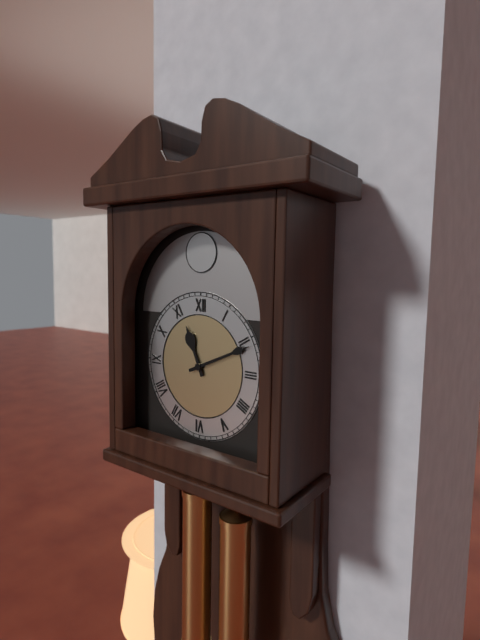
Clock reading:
**11:11**
